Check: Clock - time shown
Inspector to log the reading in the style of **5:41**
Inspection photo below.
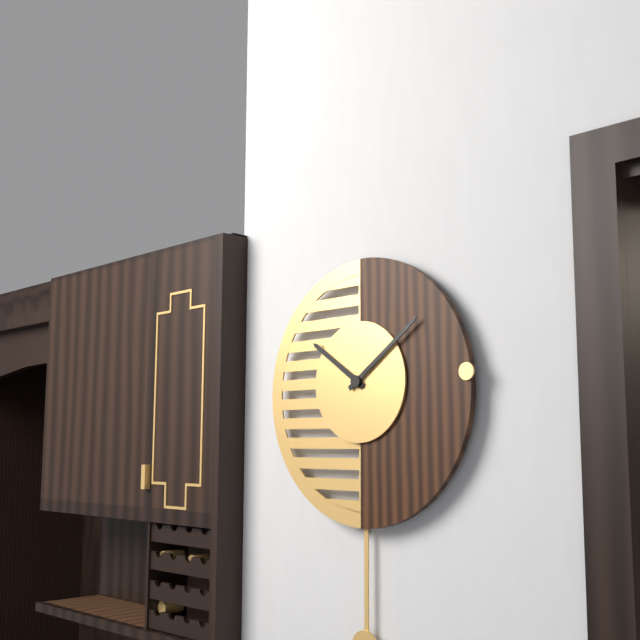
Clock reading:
**10:09**
